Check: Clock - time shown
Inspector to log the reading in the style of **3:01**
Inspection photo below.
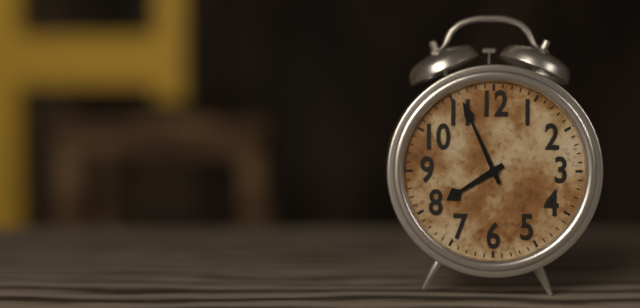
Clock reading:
**7:56**
